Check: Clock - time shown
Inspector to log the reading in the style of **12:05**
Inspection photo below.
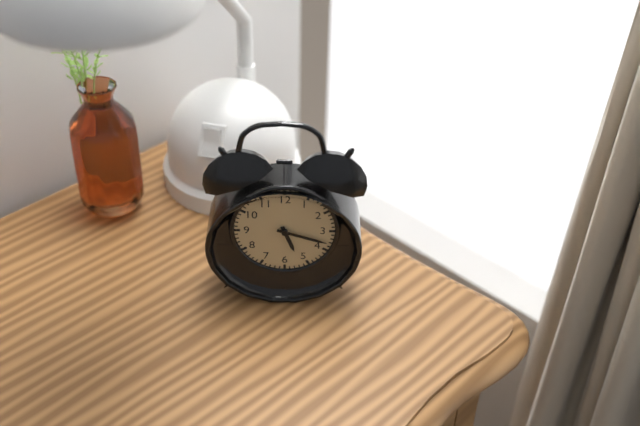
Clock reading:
**5:18**
